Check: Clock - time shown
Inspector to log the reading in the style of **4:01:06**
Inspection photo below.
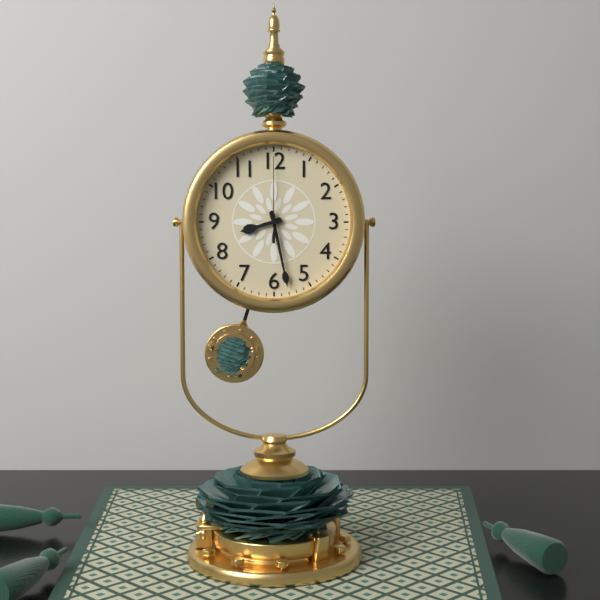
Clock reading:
**8:28:00**
